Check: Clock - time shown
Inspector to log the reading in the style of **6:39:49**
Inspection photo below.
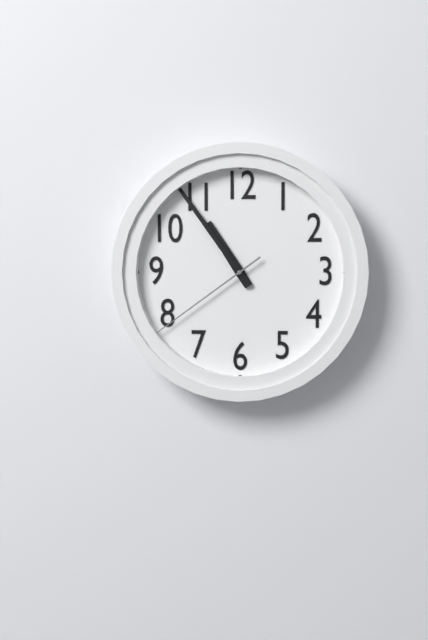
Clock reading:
**10:54:39**
